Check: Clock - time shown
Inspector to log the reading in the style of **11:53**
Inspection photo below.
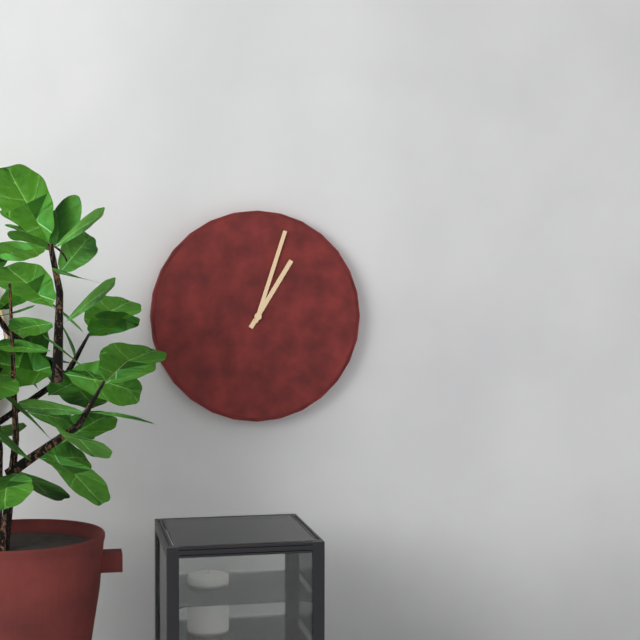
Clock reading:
**1:03**
